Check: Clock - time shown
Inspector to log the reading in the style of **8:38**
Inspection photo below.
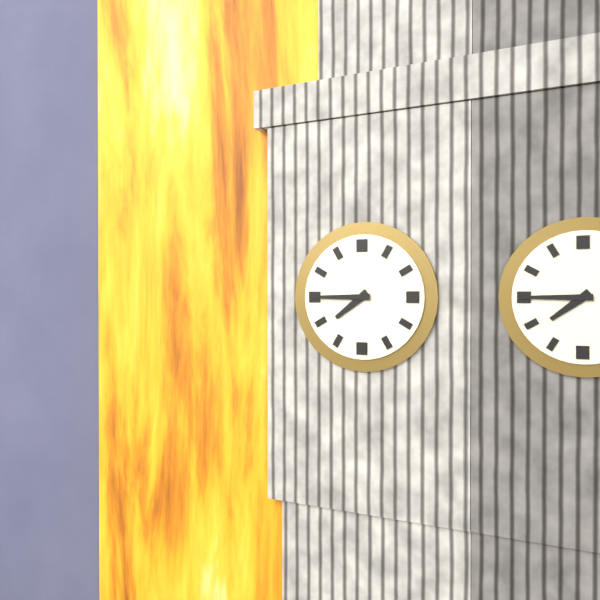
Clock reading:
**7:45**
